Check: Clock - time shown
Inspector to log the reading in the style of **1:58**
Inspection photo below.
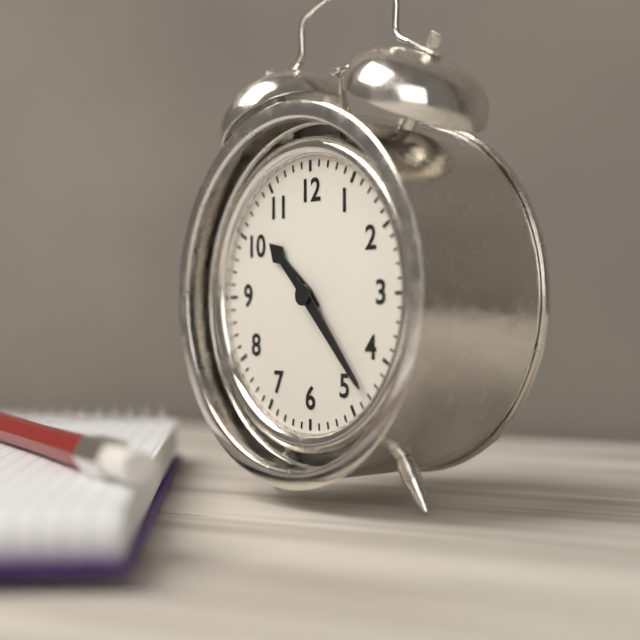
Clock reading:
**10:23**
